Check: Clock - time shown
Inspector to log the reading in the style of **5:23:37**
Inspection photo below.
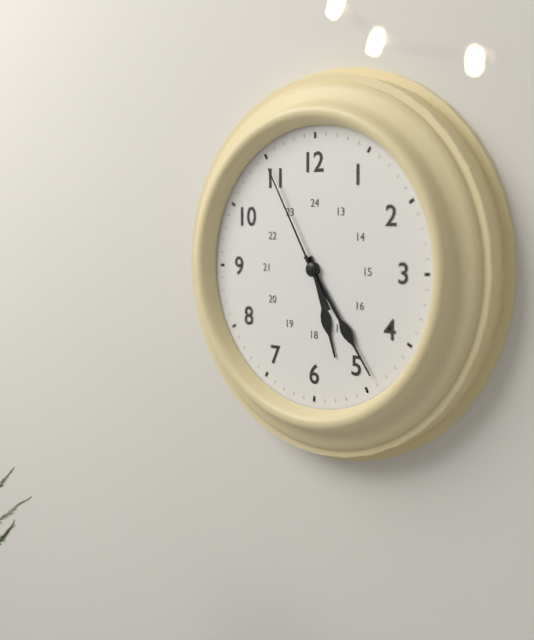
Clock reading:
**5:24:55**
